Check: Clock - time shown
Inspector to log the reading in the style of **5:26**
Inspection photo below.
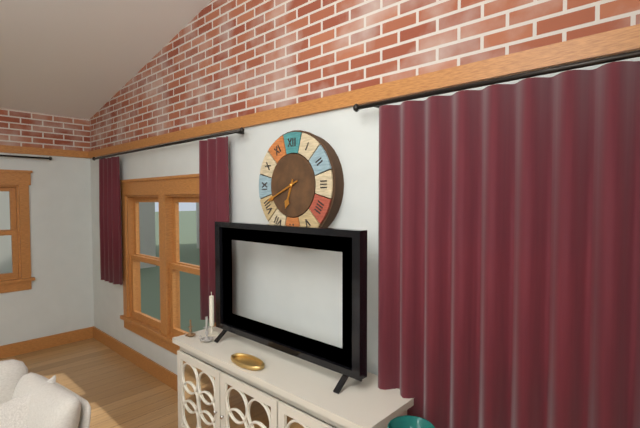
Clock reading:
**6:41**
